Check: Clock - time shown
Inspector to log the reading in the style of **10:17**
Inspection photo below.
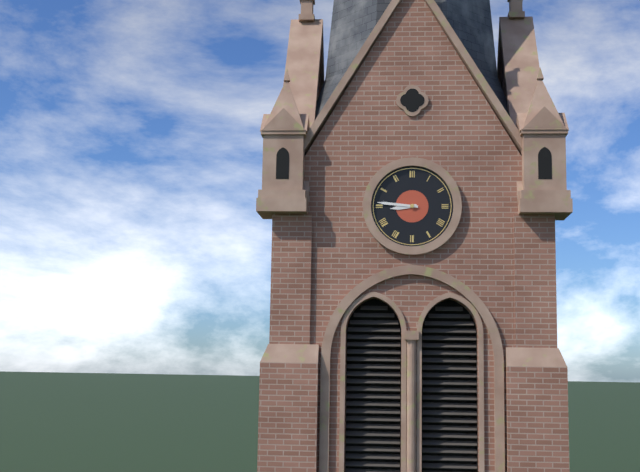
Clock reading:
**8:46**
